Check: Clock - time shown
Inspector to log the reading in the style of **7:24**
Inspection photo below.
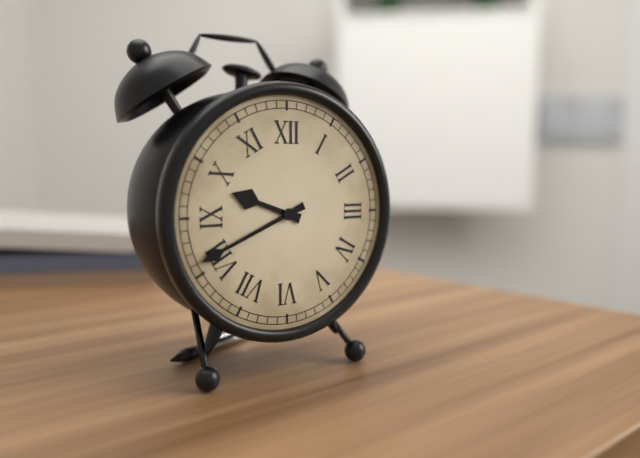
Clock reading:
**9:41**
